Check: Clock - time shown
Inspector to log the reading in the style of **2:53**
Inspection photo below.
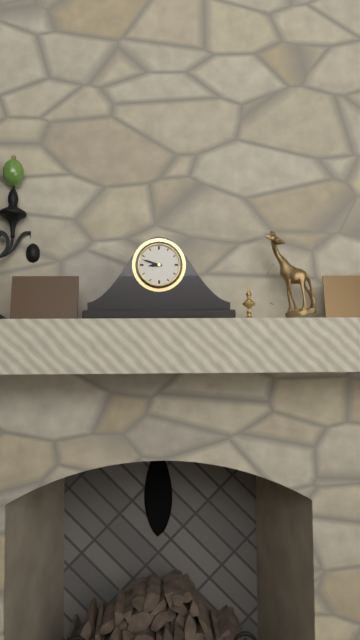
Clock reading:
**8:48**
